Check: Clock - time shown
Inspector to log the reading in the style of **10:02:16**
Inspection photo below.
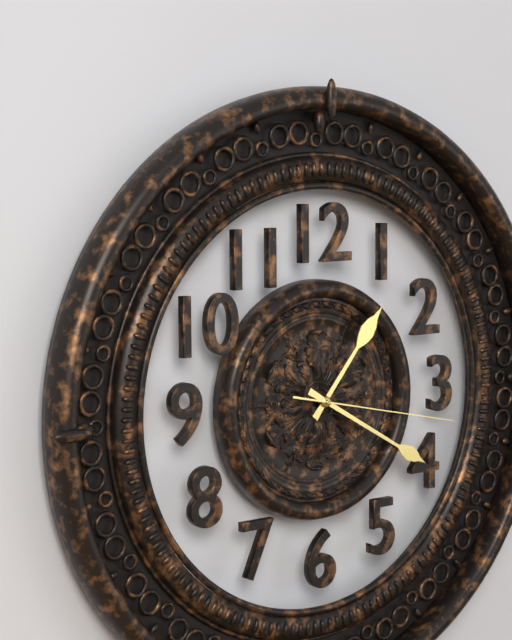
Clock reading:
**1:20:17**
